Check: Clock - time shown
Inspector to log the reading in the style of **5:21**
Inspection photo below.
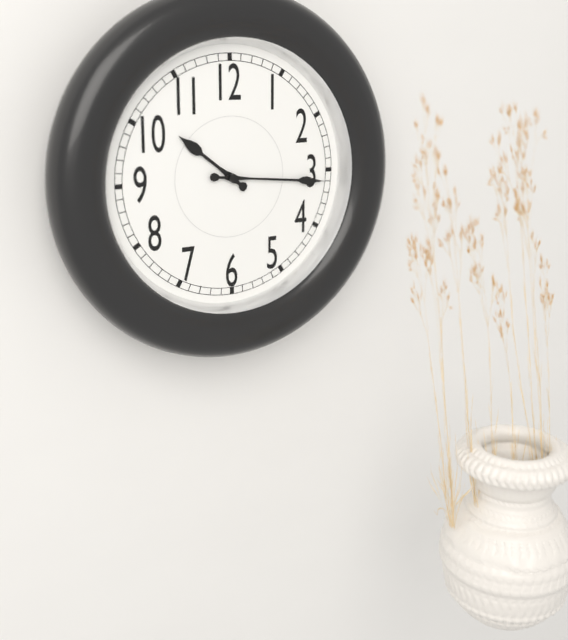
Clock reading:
**10:16**
